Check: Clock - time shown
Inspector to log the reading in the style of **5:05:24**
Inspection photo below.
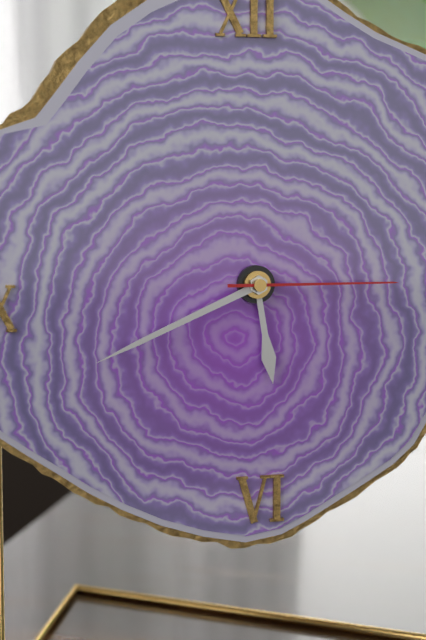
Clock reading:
**5:41:15**
